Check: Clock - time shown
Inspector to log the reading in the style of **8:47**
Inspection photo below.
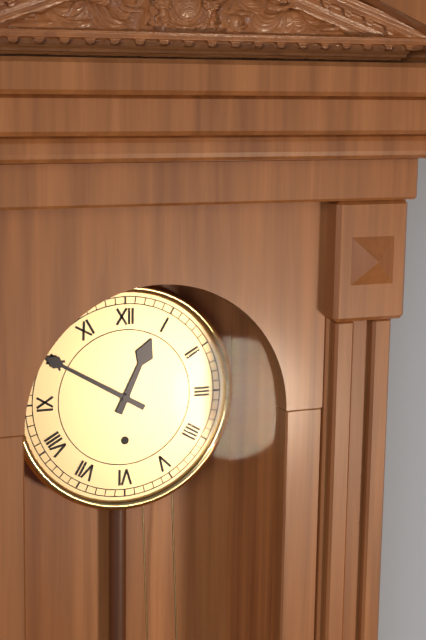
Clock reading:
**12:50**
